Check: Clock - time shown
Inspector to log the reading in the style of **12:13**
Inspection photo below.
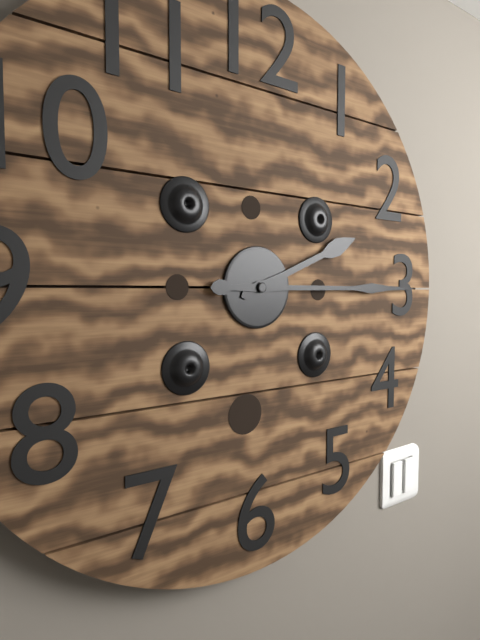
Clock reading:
**2:15**
